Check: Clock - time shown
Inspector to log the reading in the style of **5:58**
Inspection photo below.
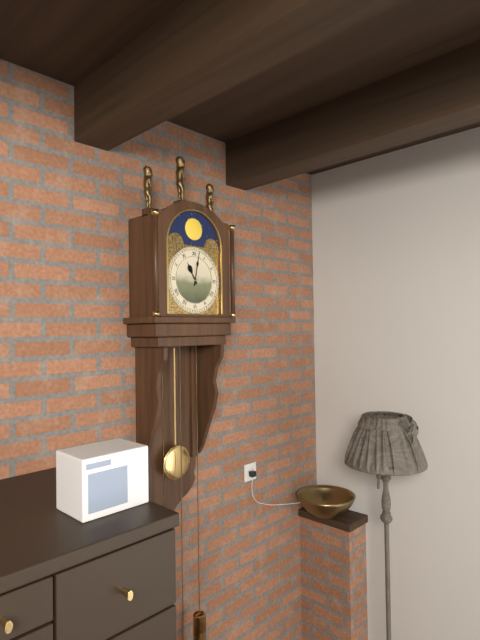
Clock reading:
**11:02**
